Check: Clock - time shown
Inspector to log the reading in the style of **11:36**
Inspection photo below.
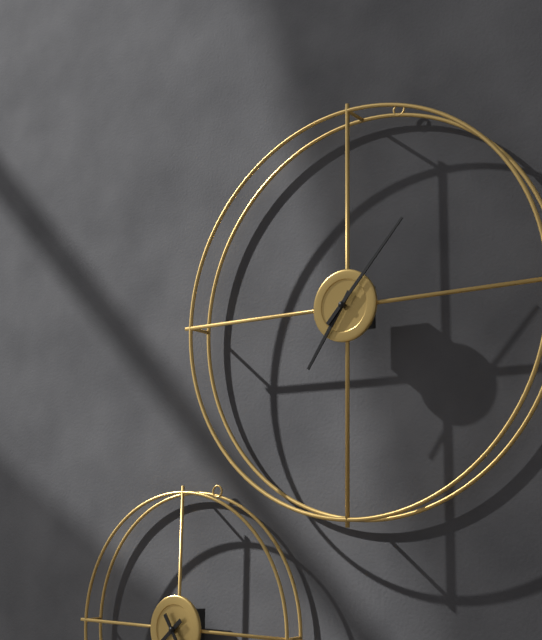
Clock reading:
**7:07**
